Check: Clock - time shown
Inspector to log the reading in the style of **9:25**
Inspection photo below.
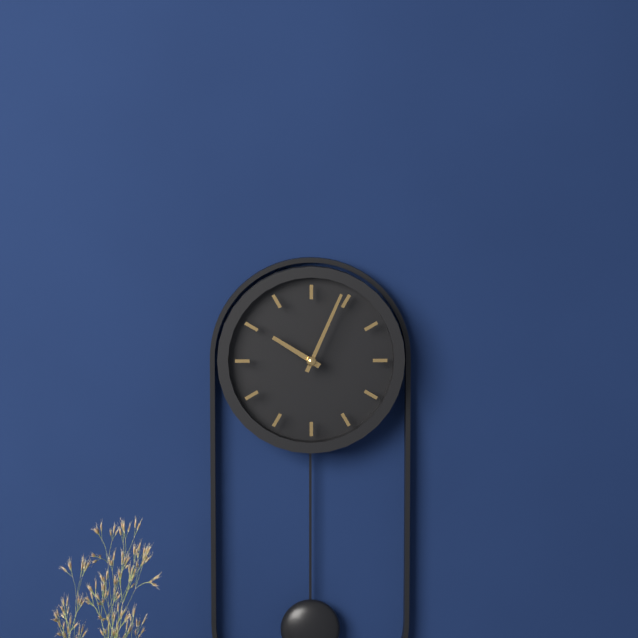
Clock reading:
**10:04**
